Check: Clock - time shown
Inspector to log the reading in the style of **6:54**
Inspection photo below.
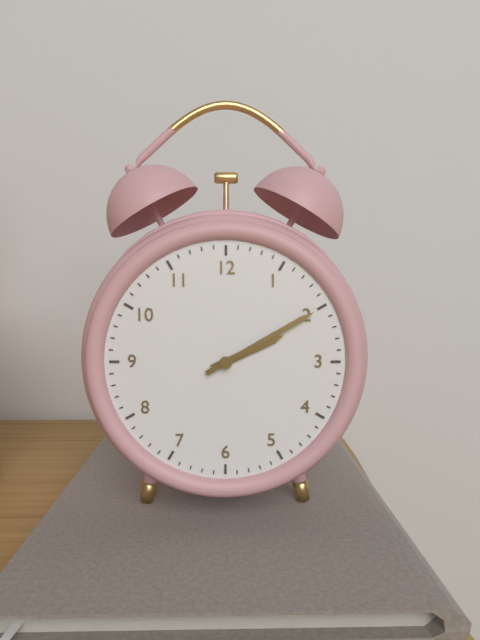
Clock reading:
**2:10**
